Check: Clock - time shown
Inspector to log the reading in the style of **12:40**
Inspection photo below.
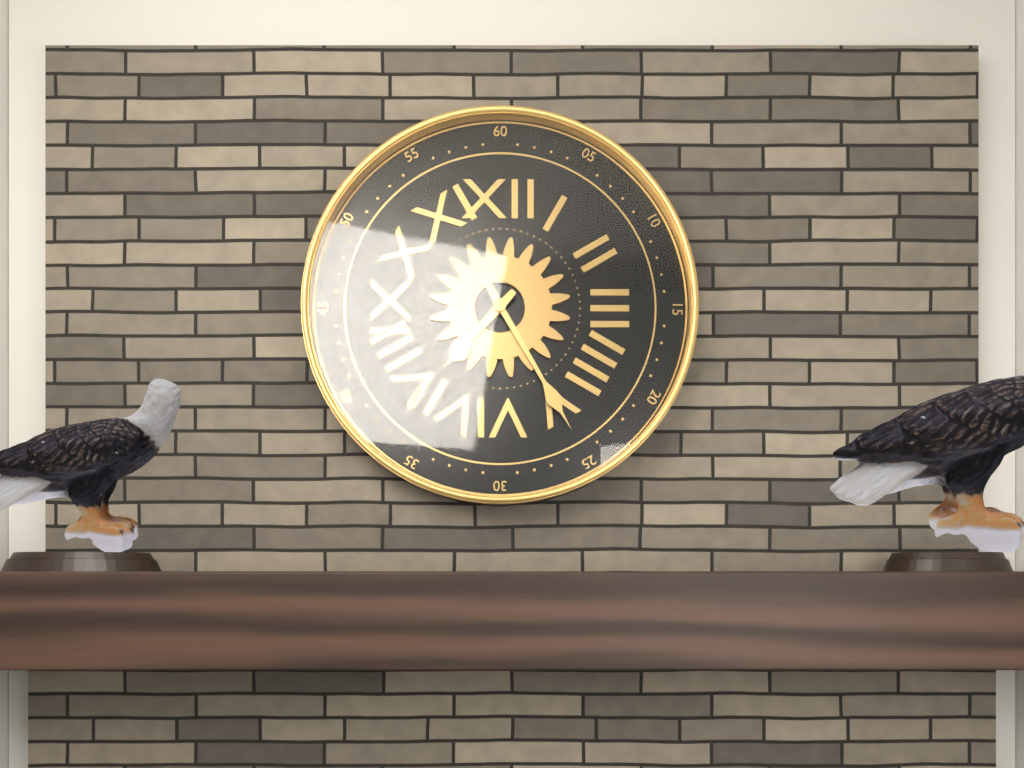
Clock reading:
**7:25**
